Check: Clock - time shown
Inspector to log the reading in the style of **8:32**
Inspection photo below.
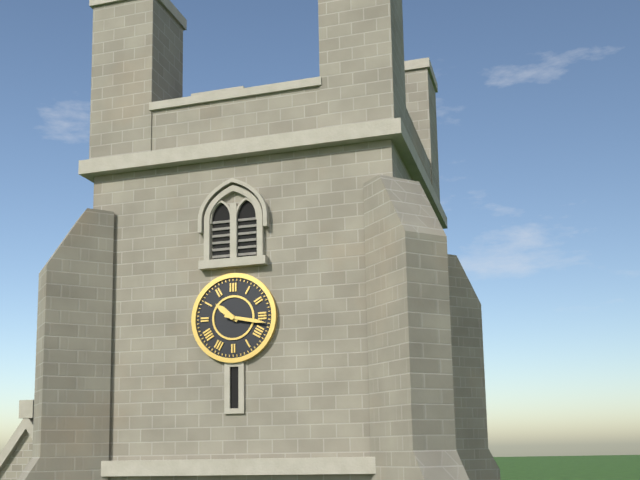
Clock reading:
**10:17**
